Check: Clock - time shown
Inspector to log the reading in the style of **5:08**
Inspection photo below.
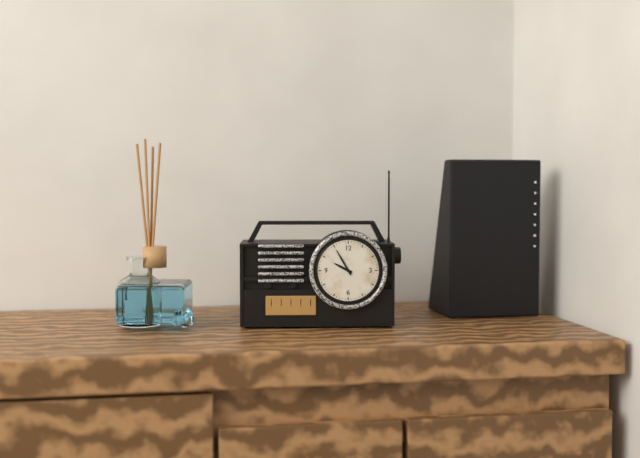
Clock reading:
**9:55**
